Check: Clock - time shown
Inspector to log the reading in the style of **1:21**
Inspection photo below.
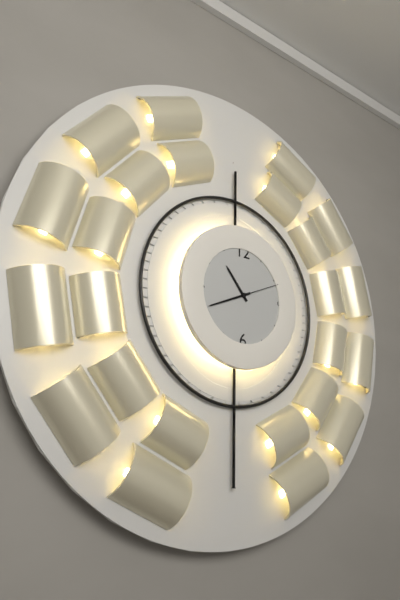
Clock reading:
**10:41**
